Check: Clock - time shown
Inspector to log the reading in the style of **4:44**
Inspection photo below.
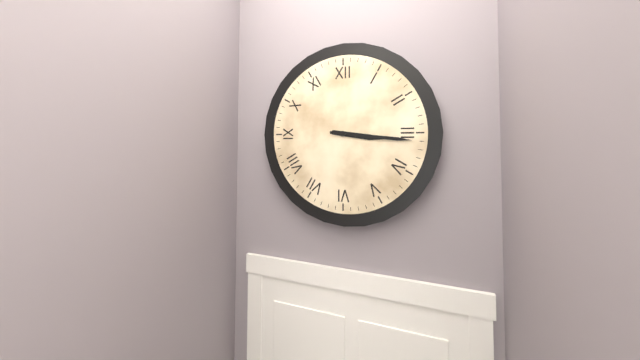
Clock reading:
**3:16**
